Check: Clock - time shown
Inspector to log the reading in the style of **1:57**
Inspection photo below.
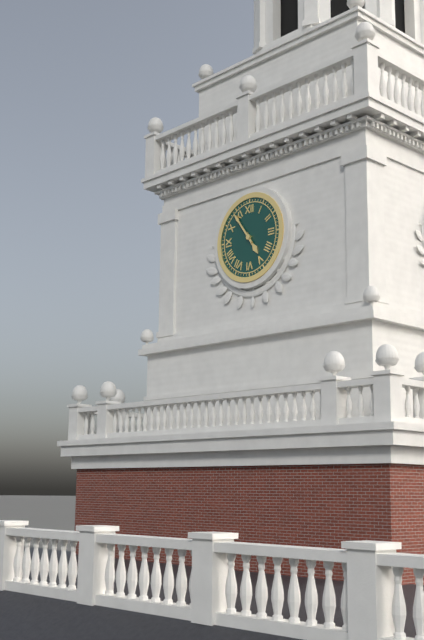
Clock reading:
**4:54**
